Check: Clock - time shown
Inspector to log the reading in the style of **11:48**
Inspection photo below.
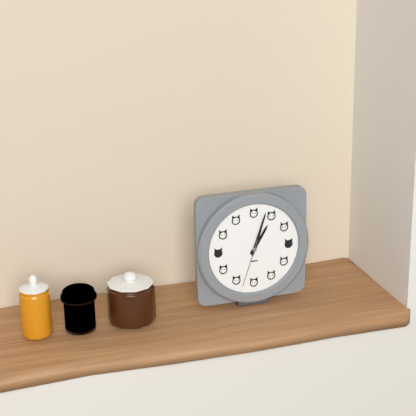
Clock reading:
**1:03**
